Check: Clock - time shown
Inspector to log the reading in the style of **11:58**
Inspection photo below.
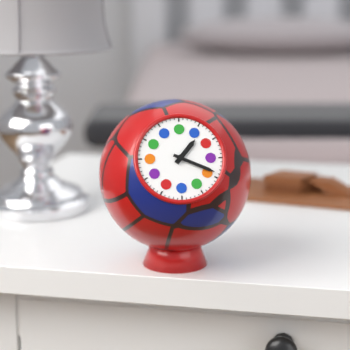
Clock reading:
**1:19**
